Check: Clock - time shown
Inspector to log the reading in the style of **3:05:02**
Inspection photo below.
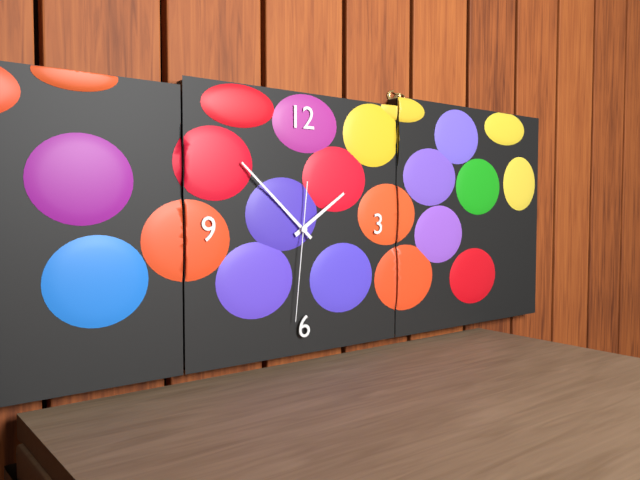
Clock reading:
**1:52:31**
